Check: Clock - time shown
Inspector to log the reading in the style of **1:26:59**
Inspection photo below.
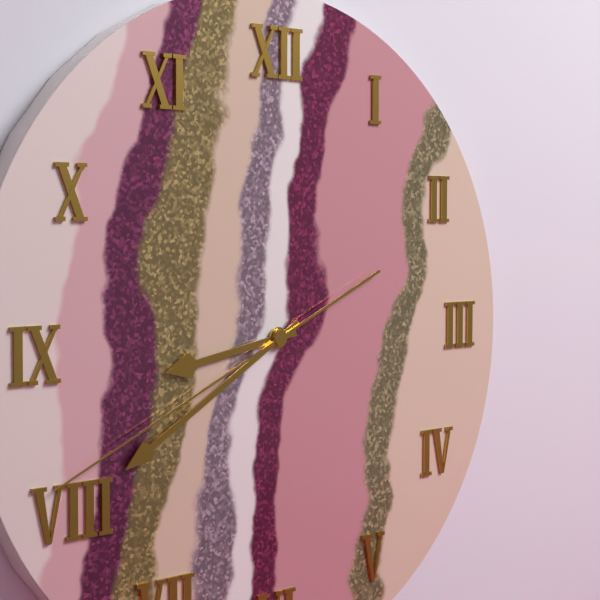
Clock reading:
**8:40:41**
